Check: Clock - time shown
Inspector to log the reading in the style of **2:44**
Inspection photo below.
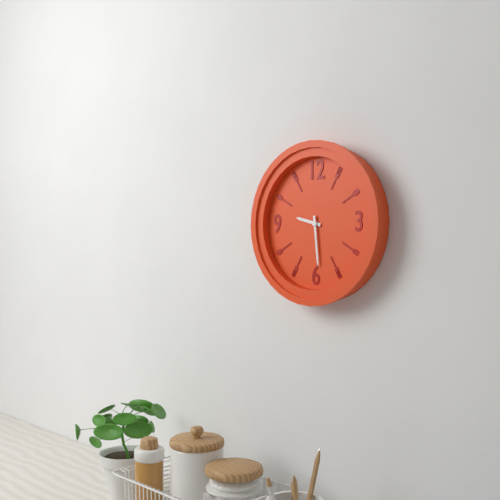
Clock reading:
**9:29**
